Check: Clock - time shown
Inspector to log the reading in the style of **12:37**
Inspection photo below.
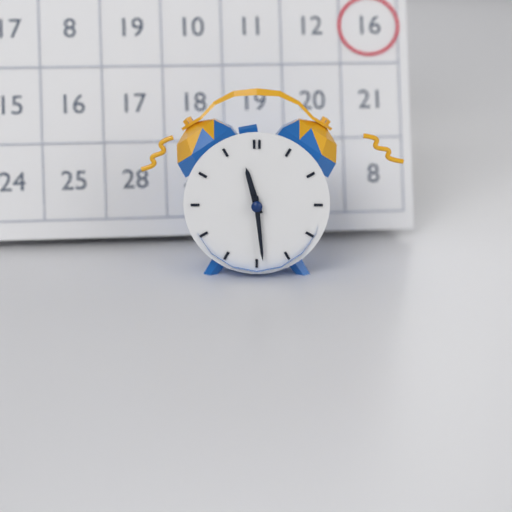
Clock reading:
**11:29**
